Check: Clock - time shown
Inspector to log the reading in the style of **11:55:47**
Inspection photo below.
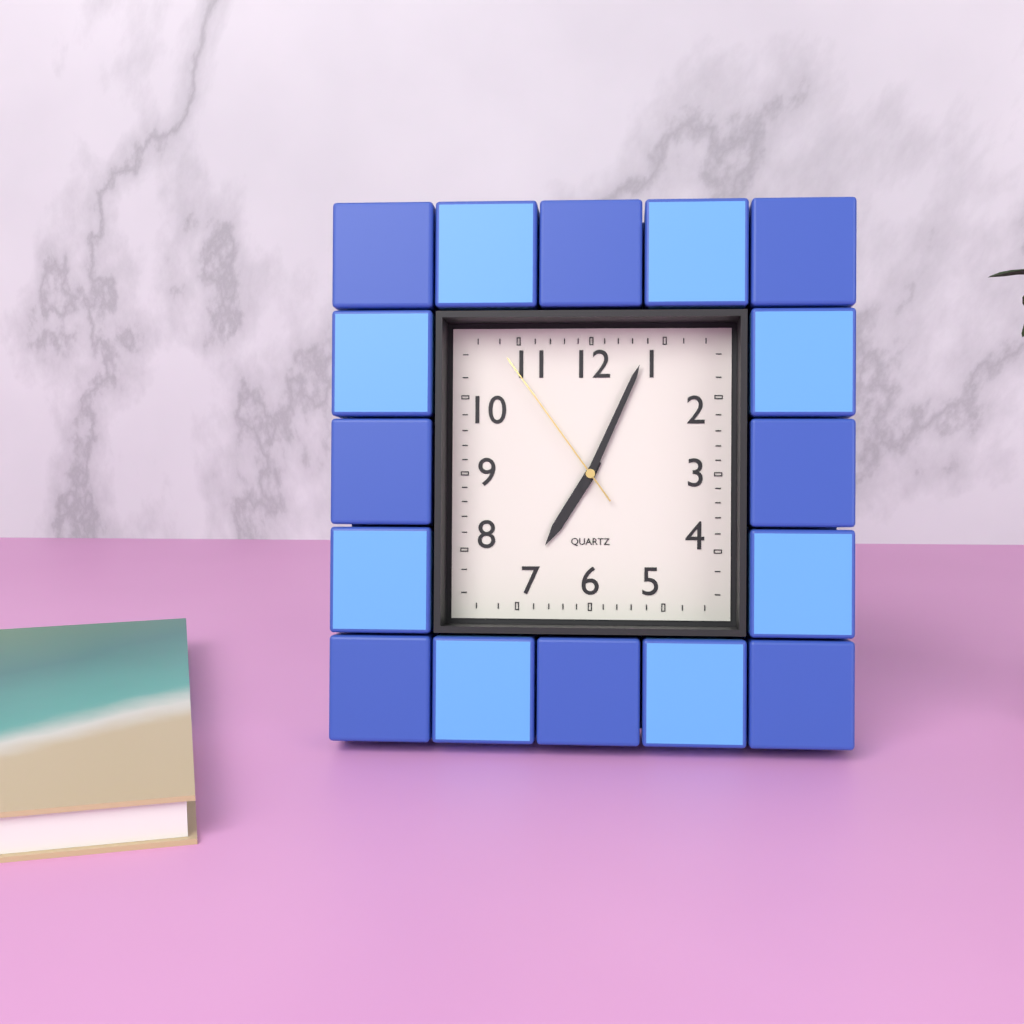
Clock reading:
**7:04:54**
